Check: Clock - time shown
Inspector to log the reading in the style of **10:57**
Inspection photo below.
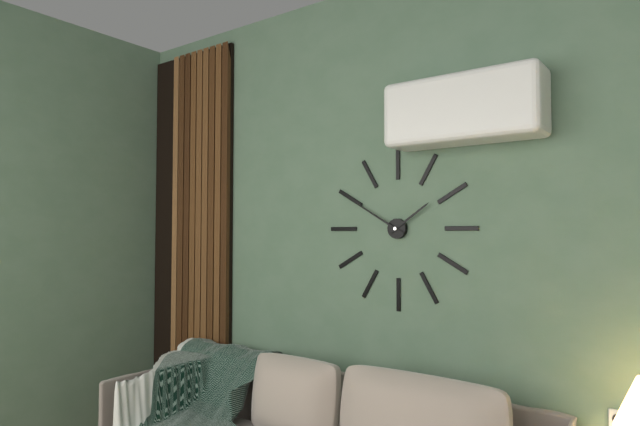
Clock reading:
**1:50**
